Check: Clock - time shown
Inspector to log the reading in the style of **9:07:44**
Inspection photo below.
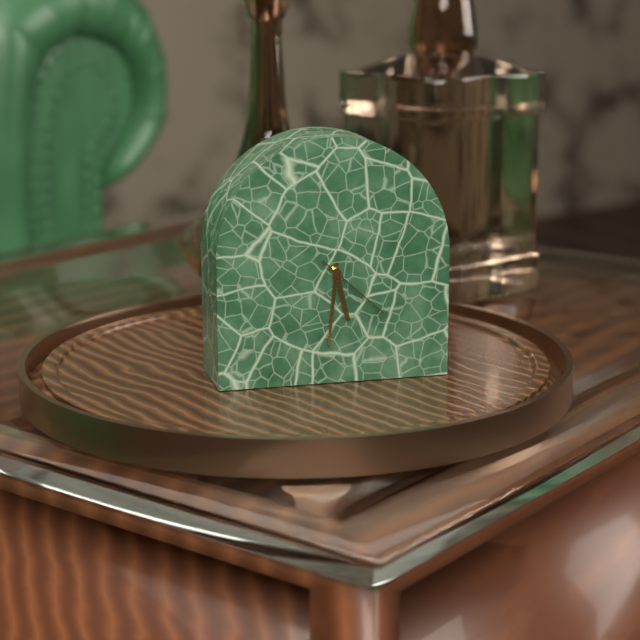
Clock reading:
**5:31:22**
